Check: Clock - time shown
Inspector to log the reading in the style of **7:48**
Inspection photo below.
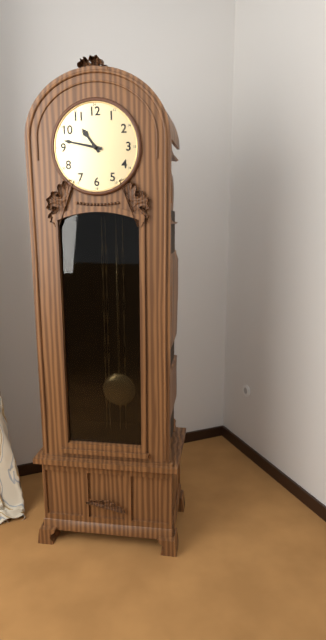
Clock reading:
**10:47**
